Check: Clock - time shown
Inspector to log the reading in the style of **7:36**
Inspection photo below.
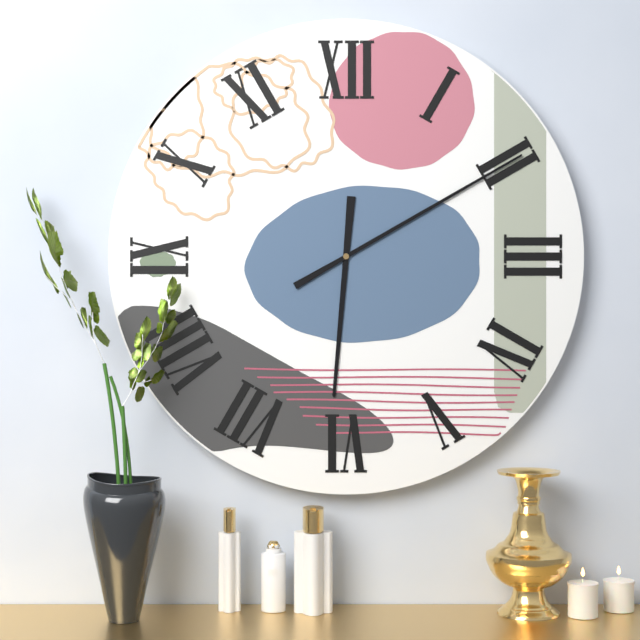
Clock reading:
**6:10**
